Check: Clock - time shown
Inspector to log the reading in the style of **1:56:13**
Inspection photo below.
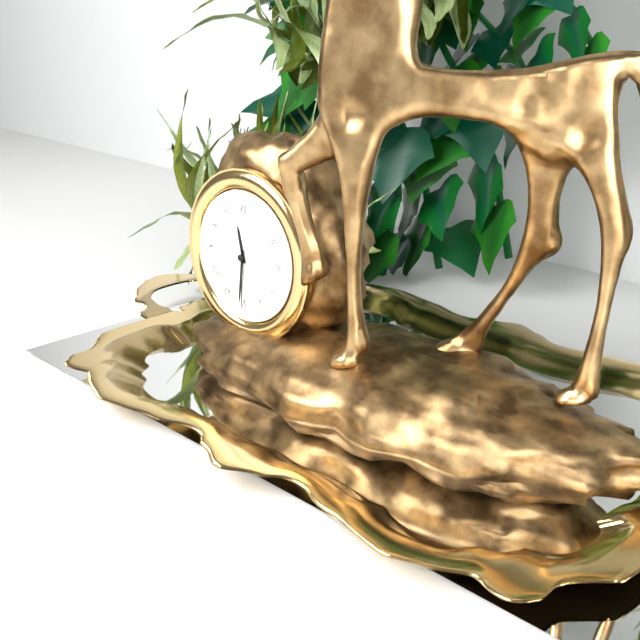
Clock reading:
**11:31:30**
